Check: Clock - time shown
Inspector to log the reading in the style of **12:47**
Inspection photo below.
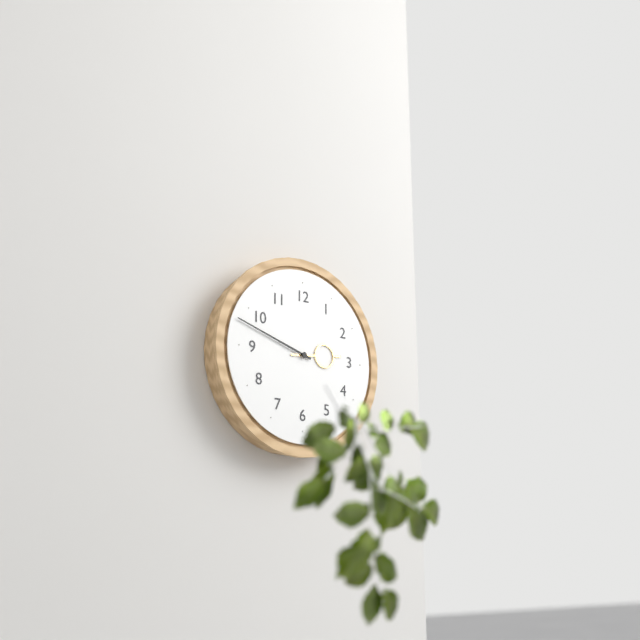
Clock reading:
**2:48**
